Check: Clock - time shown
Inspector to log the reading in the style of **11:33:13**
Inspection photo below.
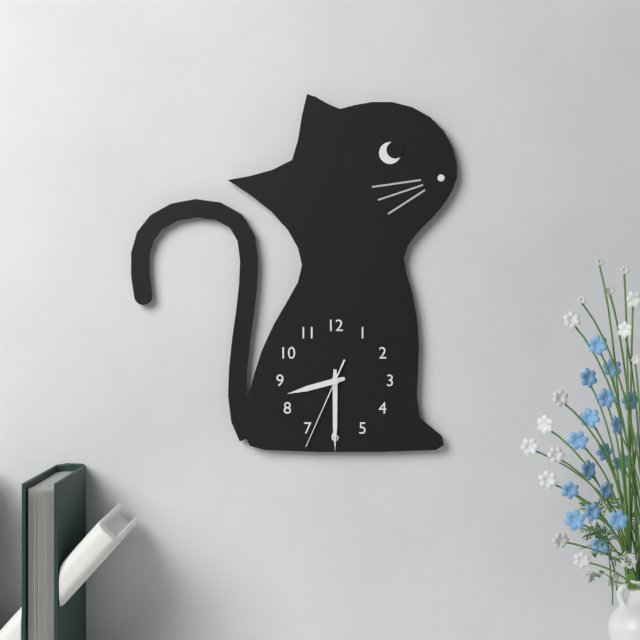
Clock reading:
**8:30:34**
